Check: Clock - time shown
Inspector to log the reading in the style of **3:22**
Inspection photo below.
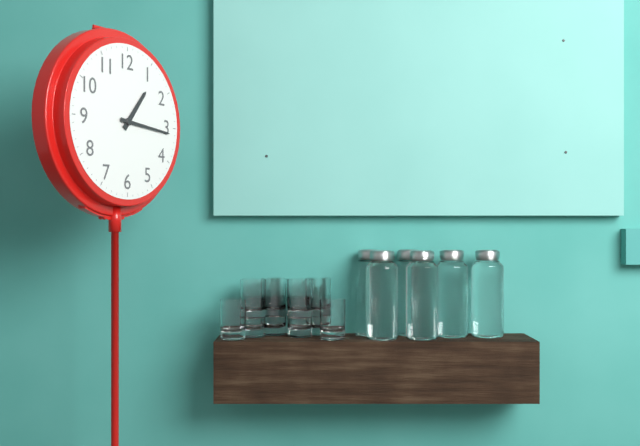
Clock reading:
**1:16**
